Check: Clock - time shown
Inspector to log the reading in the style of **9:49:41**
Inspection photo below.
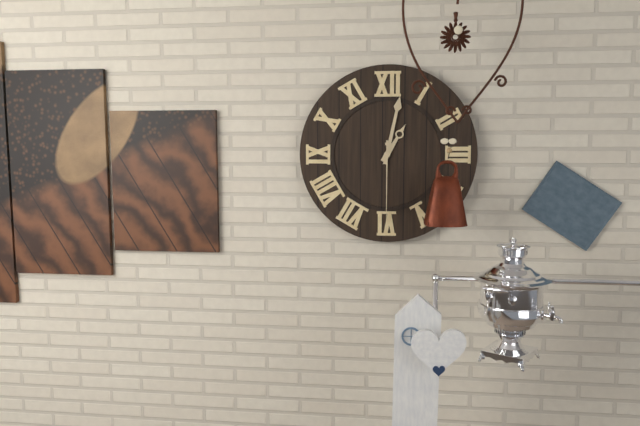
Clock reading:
**1:02:30**
